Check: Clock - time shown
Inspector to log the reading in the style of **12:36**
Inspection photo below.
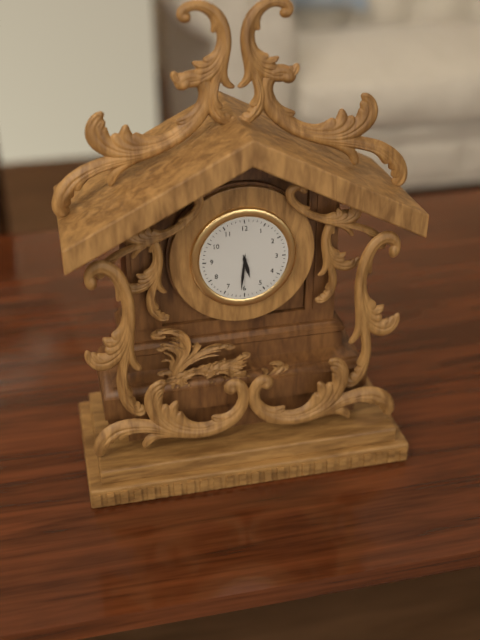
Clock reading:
**5:31**
